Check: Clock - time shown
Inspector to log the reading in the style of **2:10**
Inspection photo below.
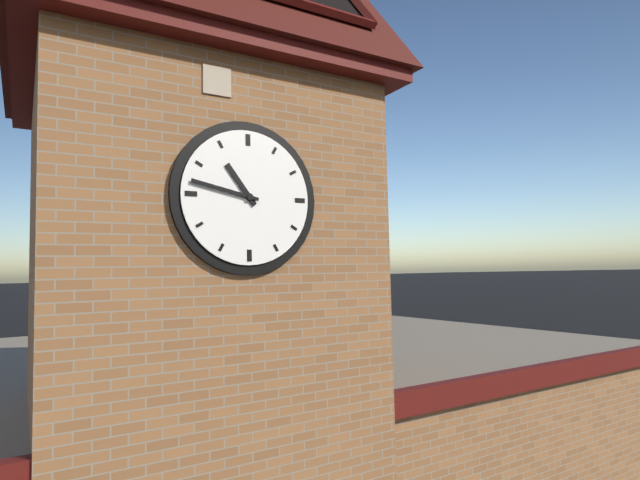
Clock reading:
**10:47**
